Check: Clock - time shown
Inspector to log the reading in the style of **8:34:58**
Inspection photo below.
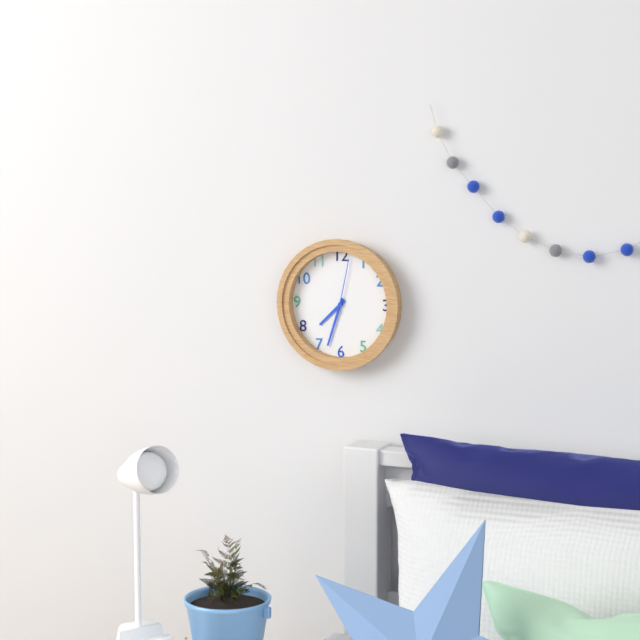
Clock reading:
**7:33:02**
